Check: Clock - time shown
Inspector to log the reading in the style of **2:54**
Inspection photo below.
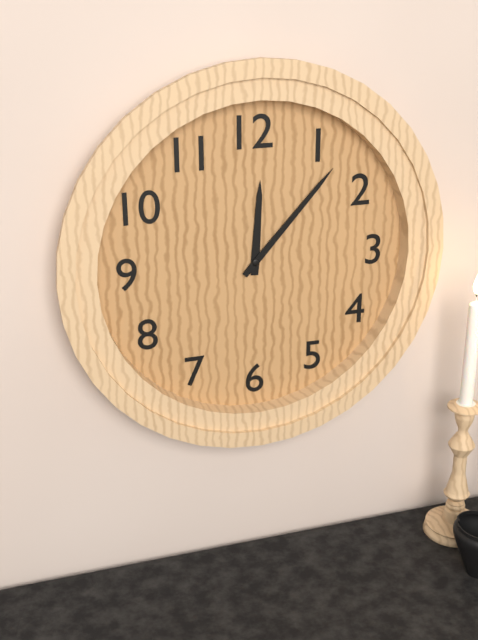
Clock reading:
**12:07**
